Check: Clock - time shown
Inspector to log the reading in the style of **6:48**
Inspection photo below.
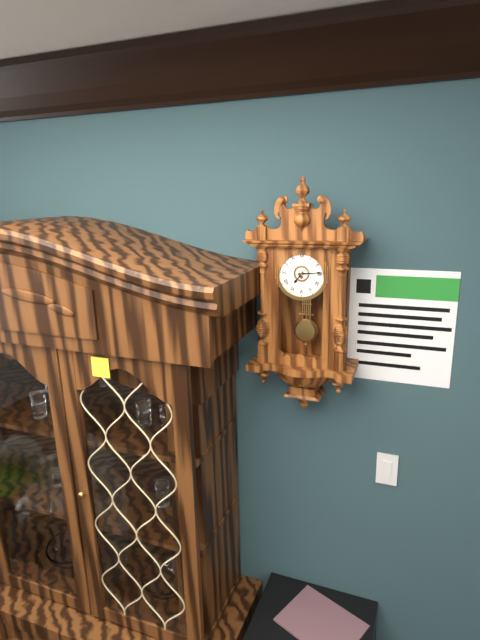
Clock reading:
**7:14**
